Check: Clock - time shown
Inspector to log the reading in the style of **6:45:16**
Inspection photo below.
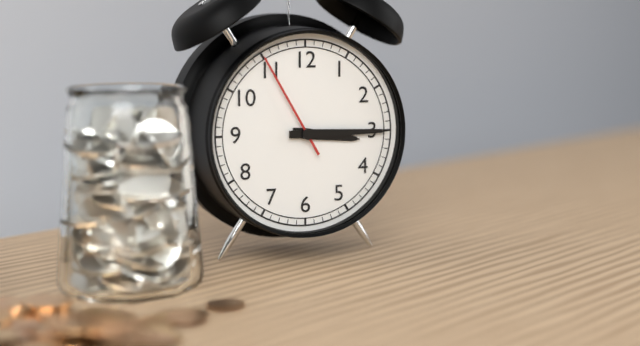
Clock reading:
**3:15:55**
